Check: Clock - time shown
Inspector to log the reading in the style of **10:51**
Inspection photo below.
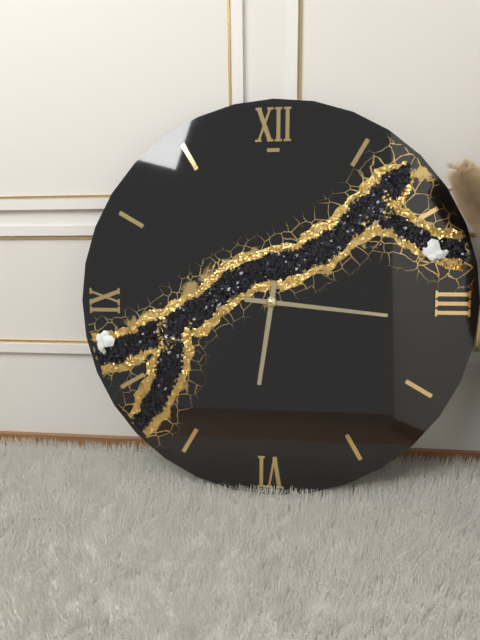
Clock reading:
**6:16**
